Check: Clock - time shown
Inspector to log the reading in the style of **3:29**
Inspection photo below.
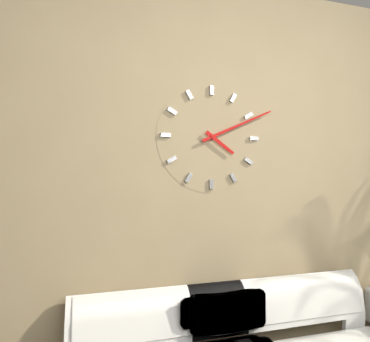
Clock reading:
**4:11**
